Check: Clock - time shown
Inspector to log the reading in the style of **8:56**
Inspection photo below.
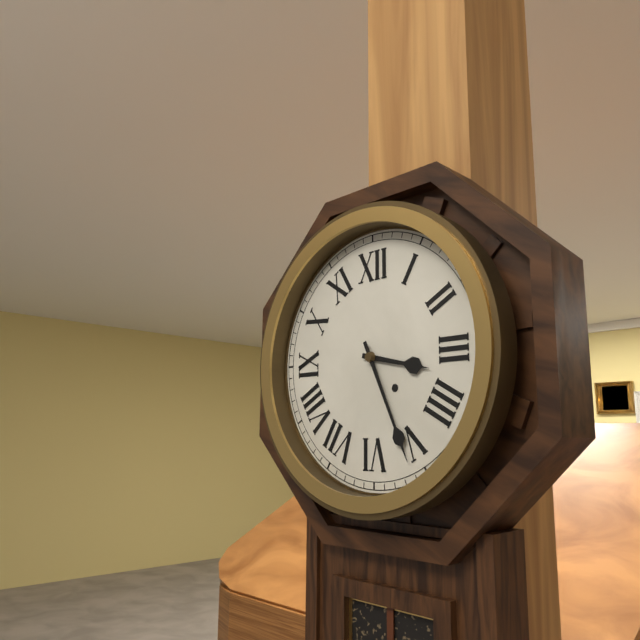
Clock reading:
**3:26**
